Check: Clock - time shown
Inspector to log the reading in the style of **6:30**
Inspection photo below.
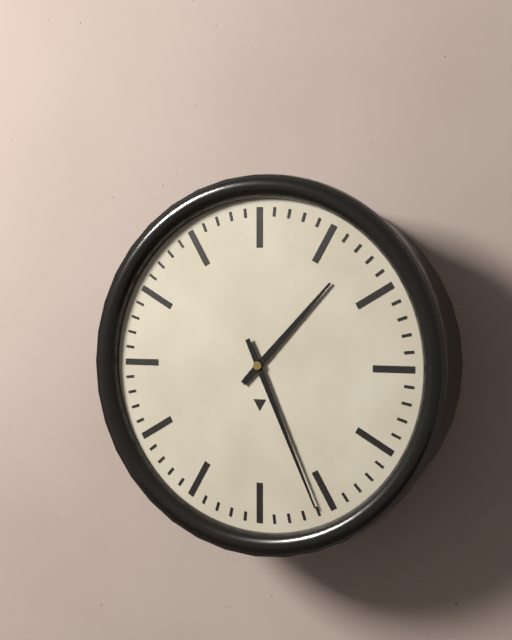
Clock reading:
**1:26**
